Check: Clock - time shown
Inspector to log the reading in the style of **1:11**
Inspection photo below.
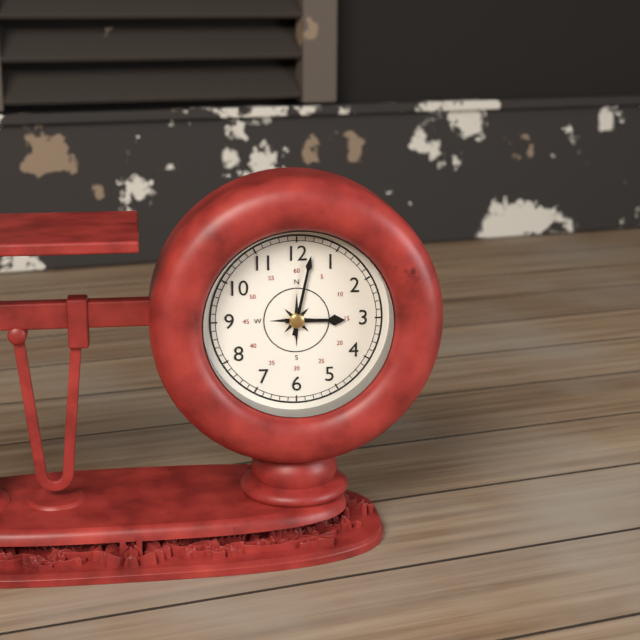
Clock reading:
**3:02**
